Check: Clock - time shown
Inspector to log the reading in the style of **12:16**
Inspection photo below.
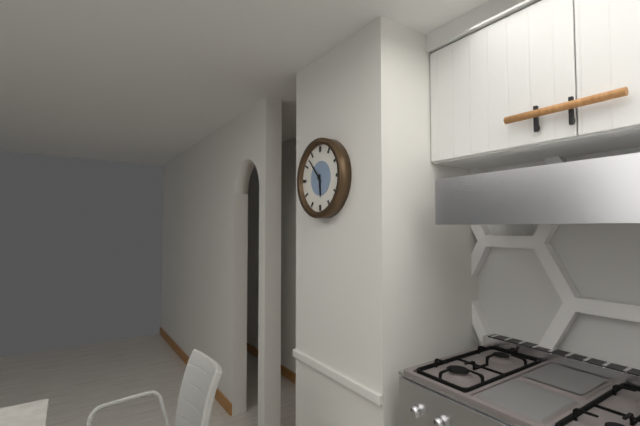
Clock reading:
**5:53**
